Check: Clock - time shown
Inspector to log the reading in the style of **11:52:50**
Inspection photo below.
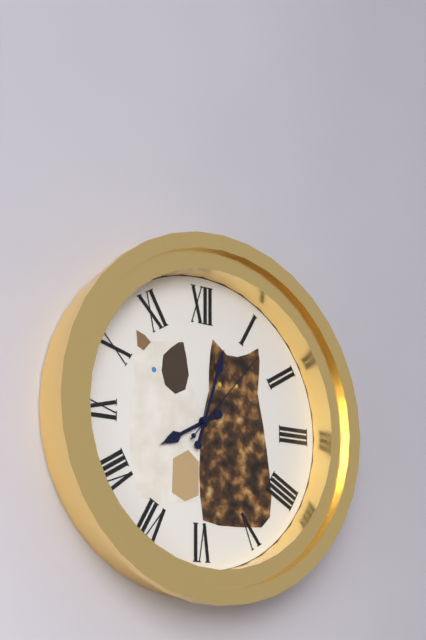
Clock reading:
**8:03:07**
